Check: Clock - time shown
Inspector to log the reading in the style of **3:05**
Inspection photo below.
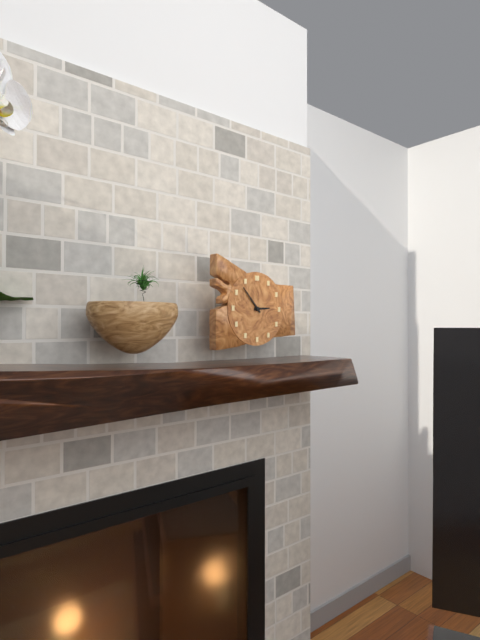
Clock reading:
**2:53**
